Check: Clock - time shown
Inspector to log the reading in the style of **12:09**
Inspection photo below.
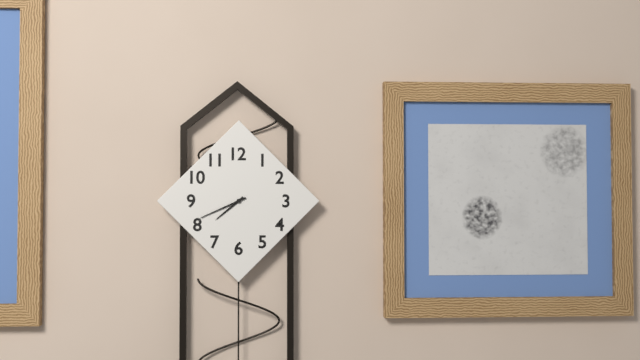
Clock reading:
**7:41**
